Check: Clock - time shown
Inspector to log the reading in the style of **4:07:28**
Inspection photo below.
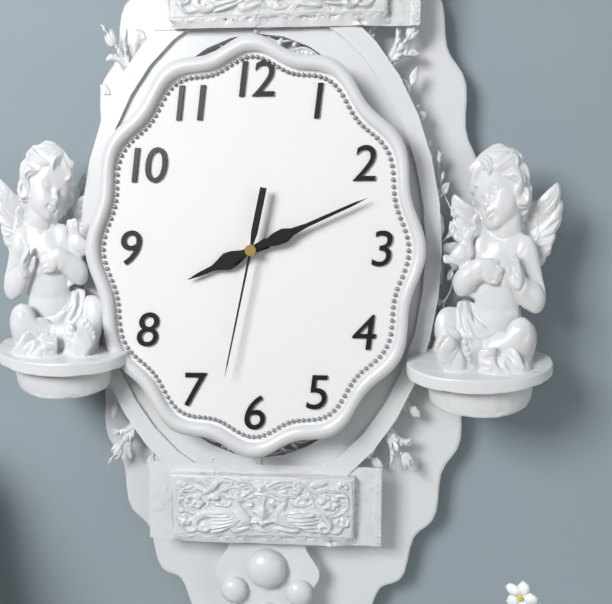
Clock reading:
**8:11:32**
